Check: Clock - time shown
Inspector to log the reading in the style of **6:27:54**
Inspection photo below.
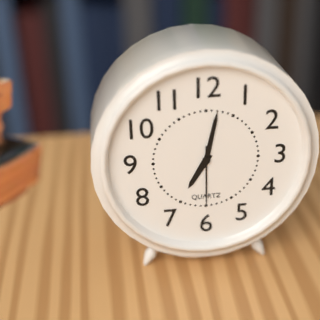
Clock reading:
**7:02:30**
